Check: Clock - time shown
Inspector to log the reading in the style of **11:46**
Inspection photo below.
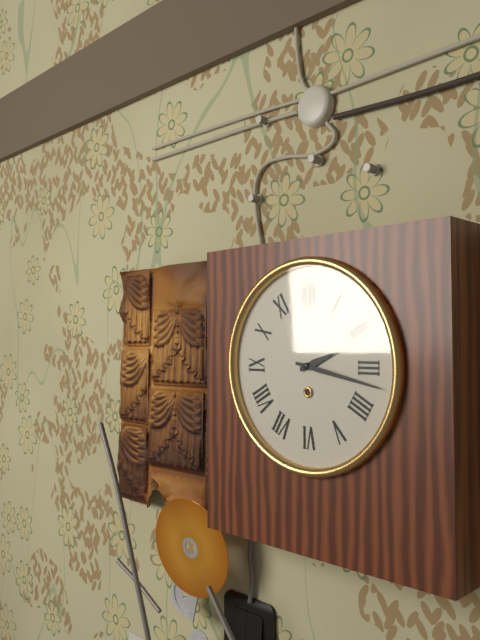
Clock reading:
**2:17**
